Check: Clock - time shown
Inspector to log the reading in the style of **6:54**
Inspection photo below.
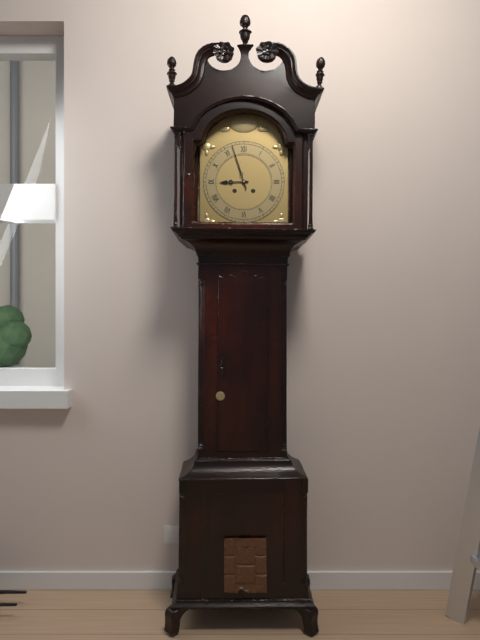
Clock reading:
**8:57**
